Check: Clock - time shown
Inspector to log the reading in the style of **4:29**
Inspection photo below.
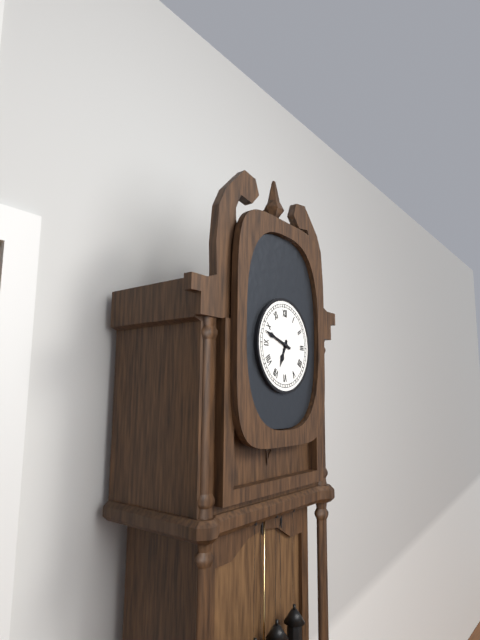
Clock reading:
**6:48**
